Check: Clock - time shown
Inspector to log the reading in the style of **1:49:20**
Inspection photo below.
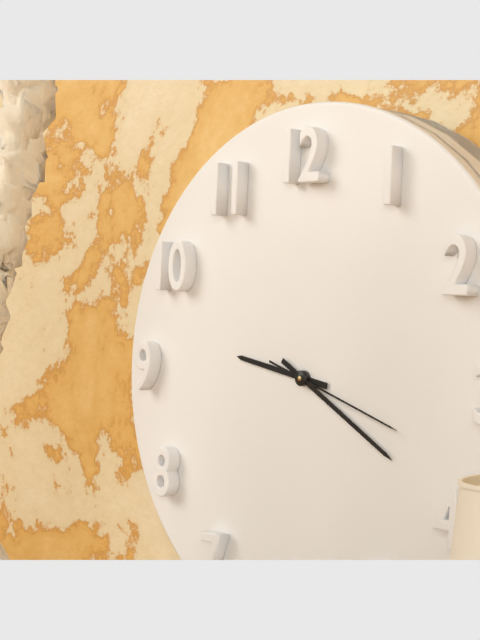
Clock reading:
**9:20:18**
